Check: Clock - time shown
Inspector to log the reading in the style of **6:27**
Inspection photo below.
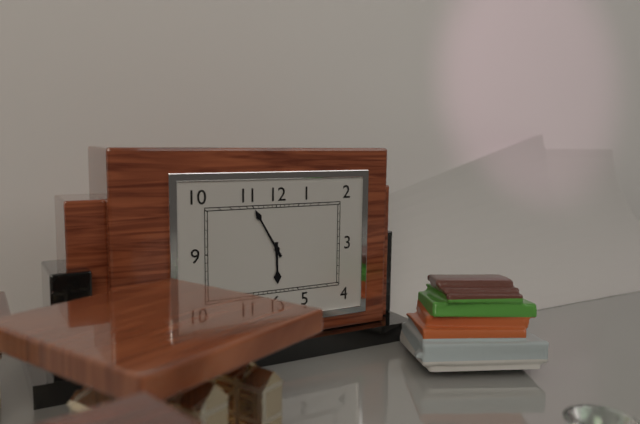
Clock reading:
**5:55**
